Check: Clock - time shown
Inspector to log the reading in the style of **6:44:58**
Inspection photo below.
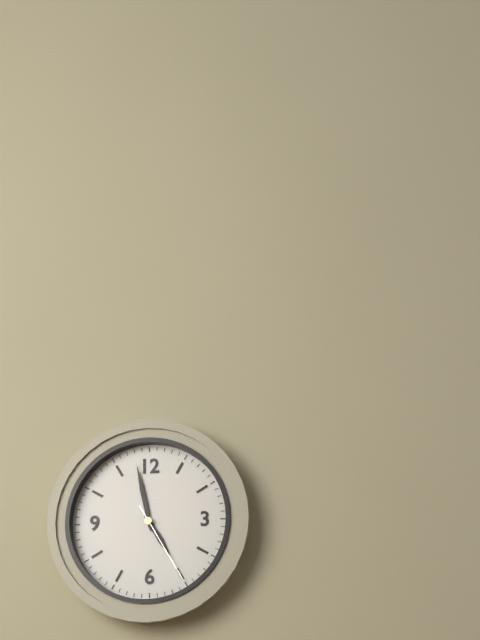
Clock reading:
**4:58:25**
